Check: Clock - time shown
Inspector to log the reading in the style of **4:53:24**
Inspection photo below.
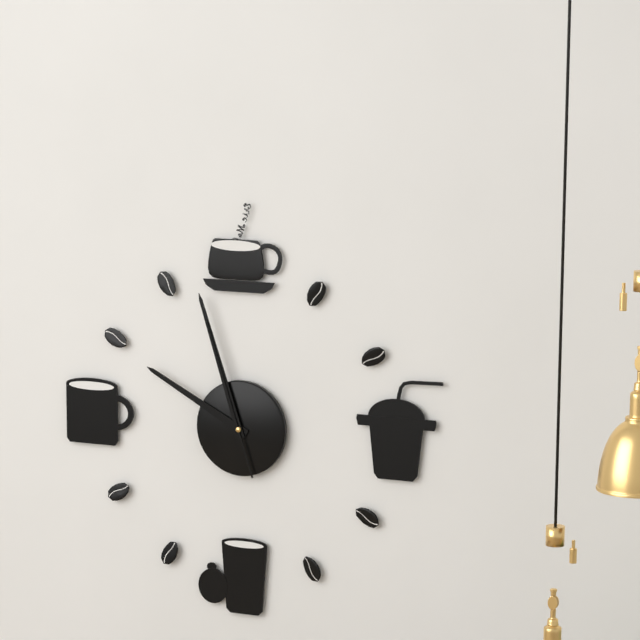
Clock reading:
**9:57:57**
